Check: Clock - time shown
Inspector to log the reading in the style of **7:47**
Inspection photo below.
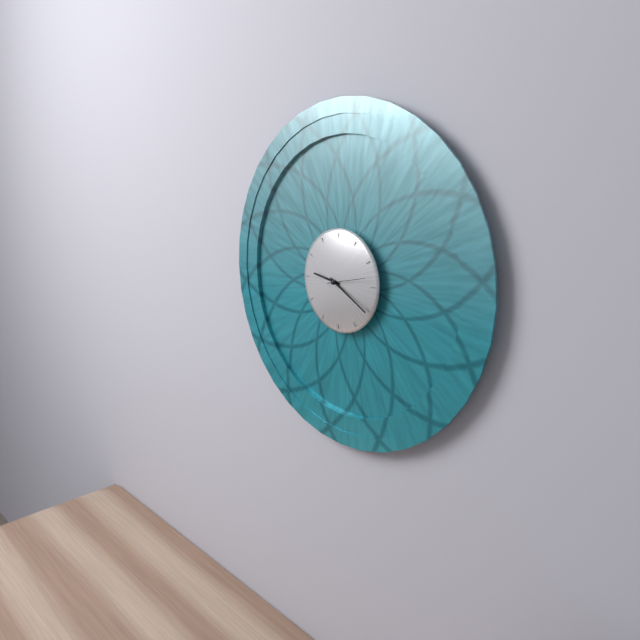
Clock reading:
**9:20**
